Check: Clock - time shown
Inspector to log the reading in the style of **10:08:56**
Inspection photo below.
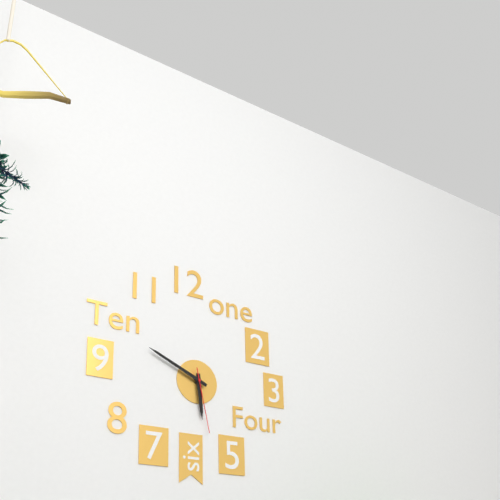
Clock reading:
**5:49:28**
